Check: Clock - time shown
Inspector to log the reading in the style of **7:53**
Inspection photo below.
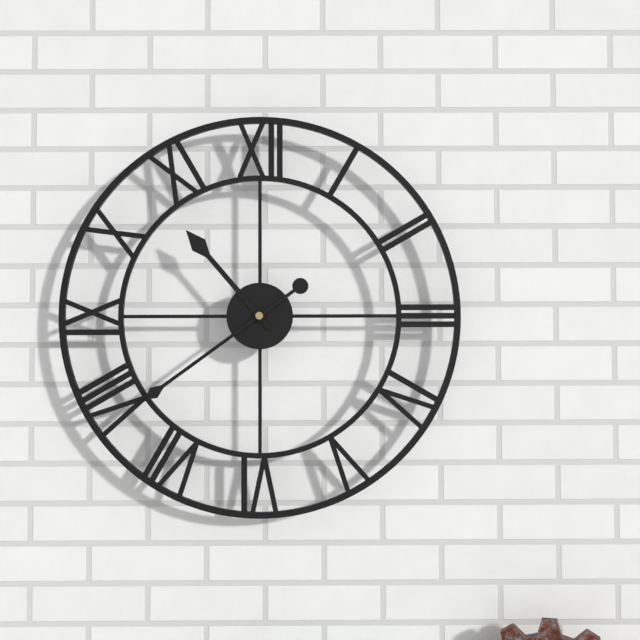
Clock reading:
**10:39**
